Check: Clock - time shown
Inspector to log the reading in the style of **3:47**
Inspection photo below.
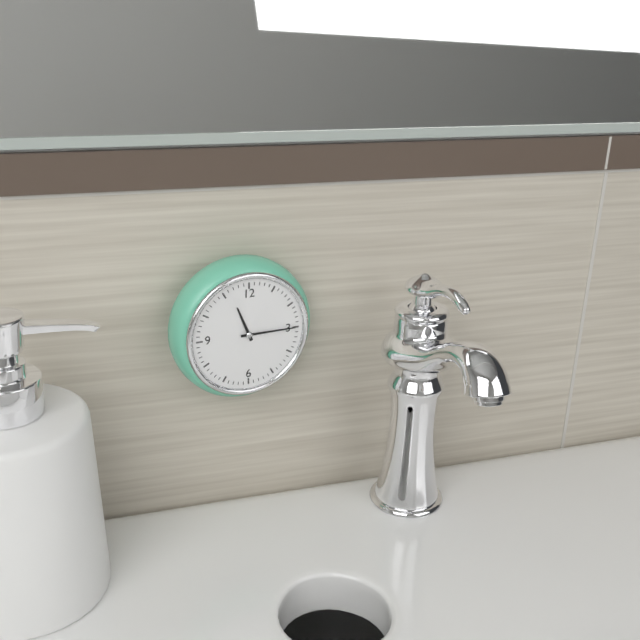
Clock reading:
**11:15**
